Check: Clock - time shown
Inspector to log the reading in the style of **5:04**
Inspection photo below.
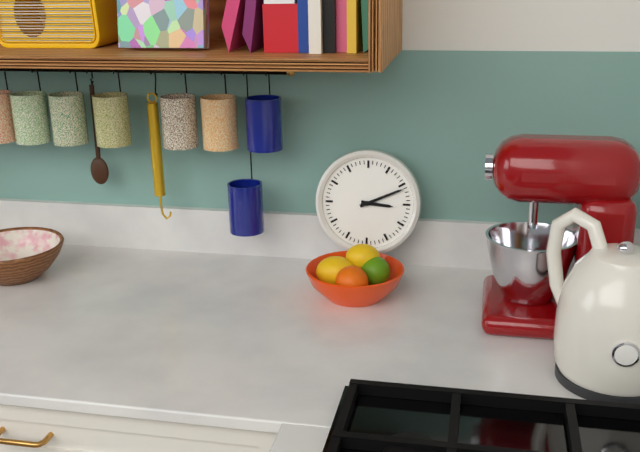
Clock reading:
**3:11**
